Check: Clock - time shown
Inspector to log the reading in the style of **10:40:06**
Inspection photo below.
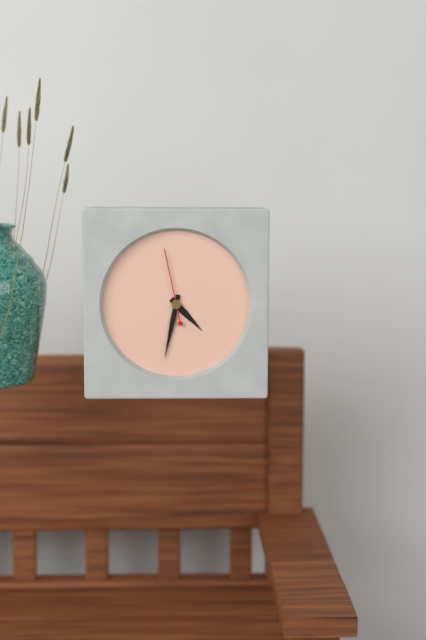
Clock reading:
**4:32:58**
